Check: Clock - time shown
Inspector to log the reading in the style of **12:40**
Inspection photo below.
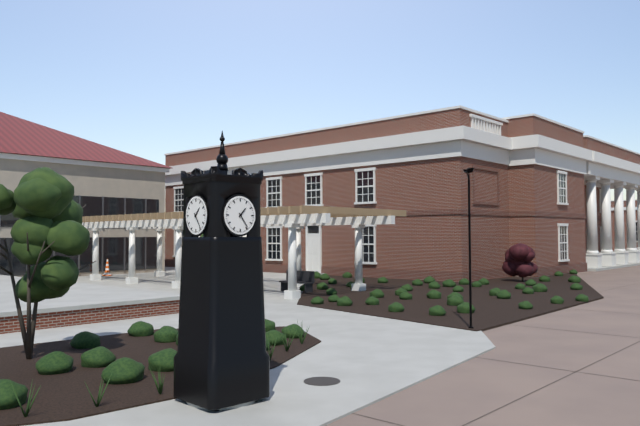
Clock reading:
**1:24**
